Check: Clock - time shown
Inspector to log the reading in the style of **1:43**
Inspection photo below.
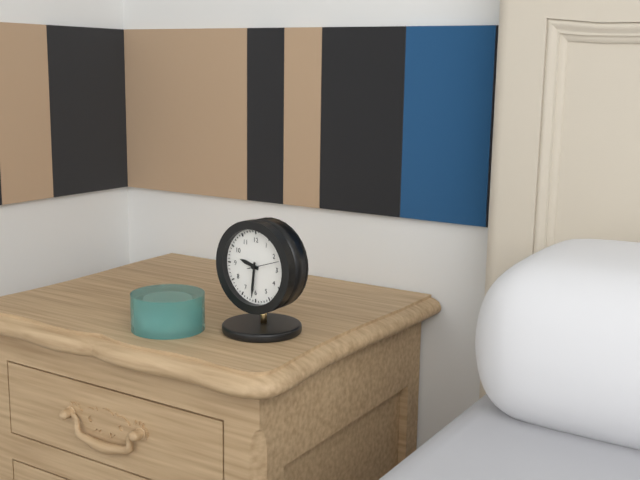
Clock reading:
**9:31**
